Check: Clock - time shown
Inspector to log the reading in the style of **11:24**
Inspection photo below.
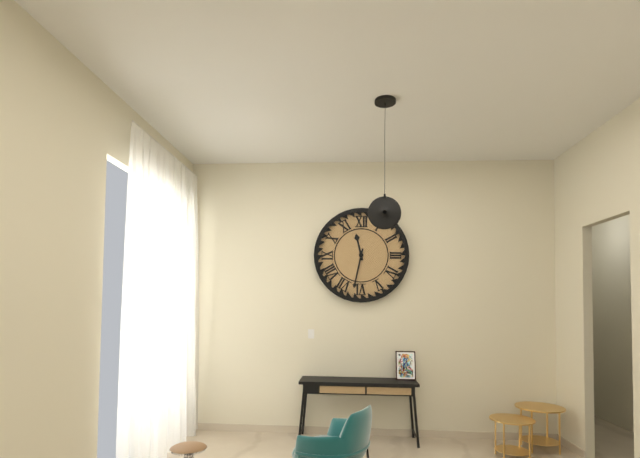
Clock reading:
**11:32**
